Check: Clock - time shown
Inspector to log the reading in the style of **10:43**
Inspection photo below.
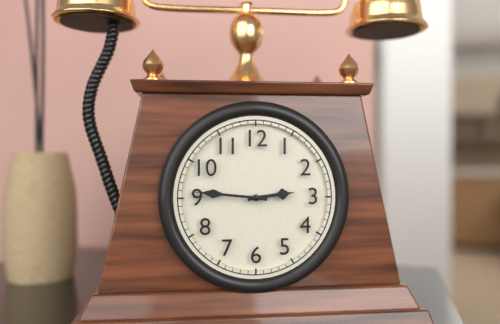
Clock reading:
**2:46**
